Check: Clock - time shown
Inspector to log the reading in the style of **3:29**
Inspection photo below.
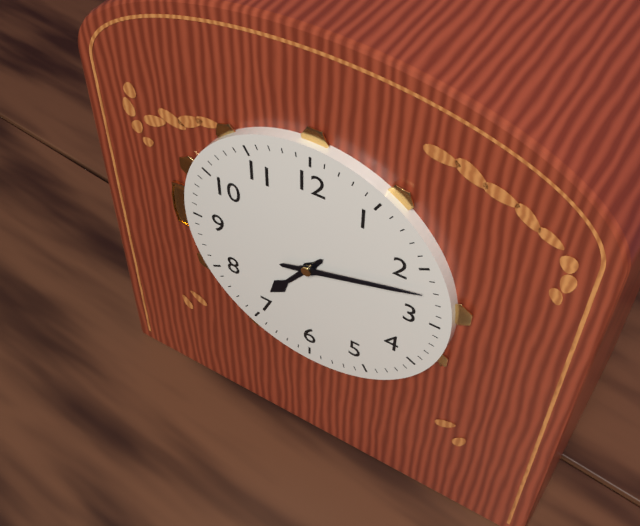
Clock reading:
**7:12**
